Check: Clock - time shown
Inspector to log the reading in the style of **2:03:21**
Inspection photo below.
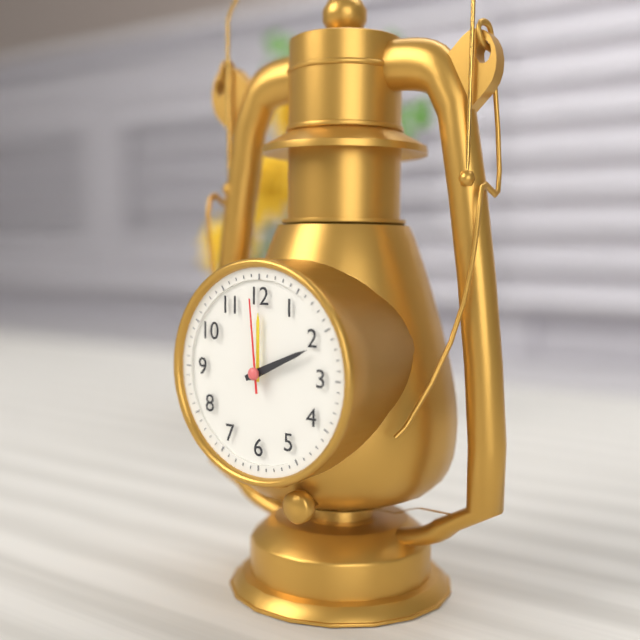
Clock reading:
**2:11:59**
